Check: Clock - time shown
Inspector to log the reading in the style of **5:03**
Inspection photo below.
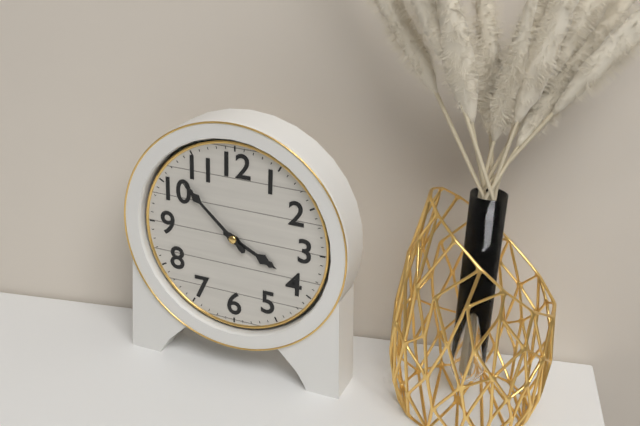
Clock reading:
**3:52**
